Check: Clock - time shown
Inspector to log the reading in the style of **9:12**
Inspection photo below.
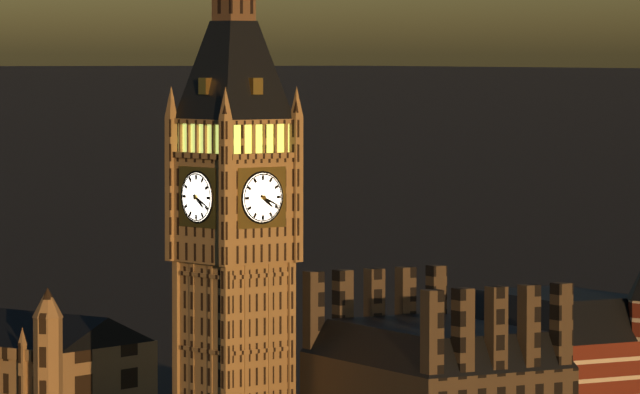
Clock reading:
**4:19**
